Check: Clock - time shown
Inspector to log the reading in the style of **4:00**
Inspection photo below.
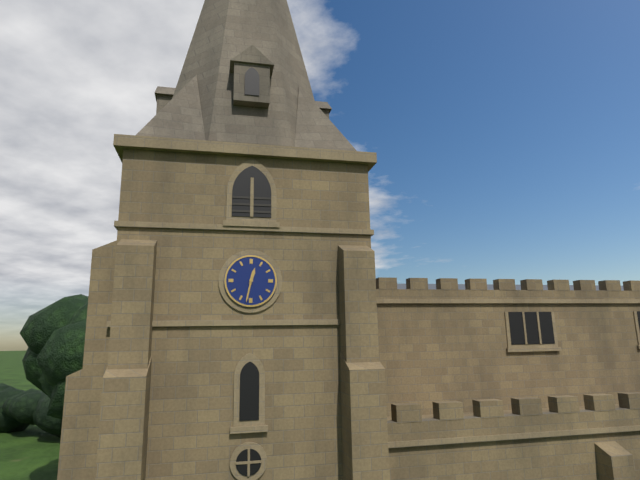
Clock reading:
**12:32**
